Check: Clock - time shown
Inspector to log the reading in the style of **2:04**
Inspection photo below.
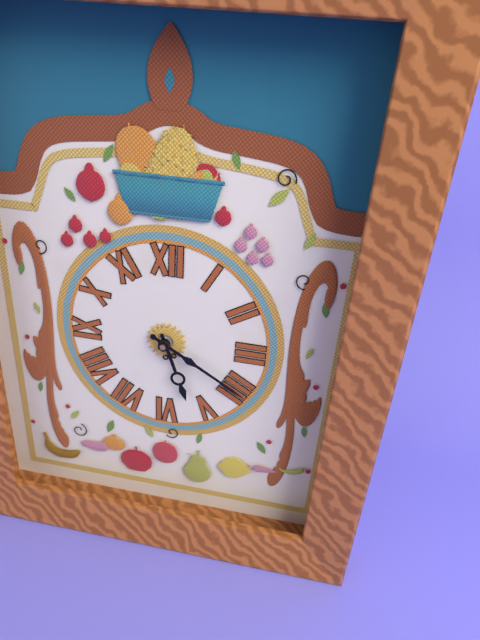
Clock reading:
**5:20**
